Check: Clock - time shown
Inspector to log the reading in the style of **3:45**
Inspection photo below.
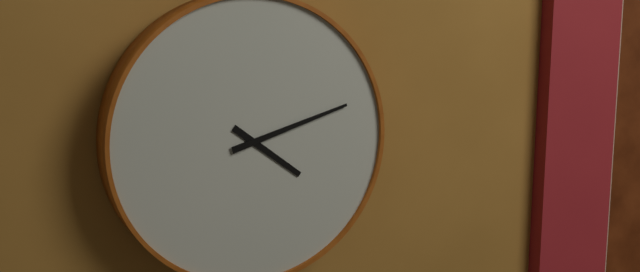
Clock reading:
**4:12**
